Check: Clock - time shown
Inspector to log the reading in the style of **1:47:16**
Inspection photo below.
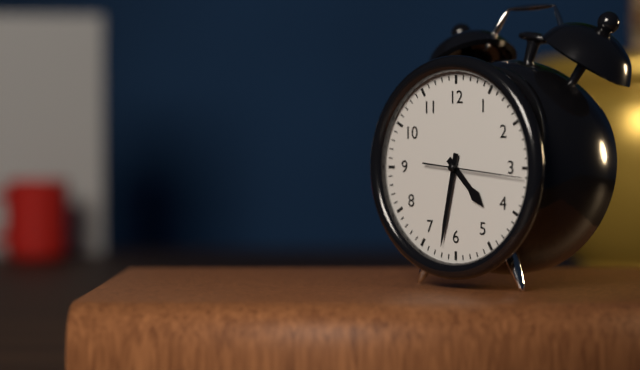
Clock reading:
**4:32:16**
